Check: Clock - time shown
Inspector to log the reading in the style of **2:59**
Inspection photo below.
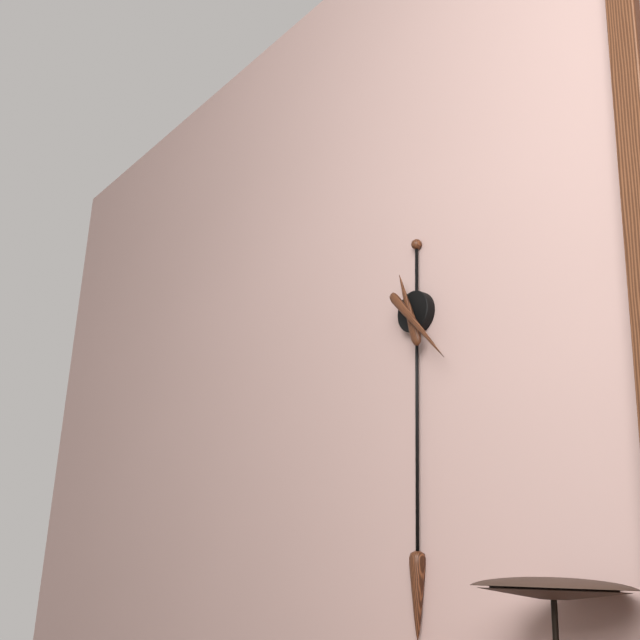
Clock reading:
**11:23**
